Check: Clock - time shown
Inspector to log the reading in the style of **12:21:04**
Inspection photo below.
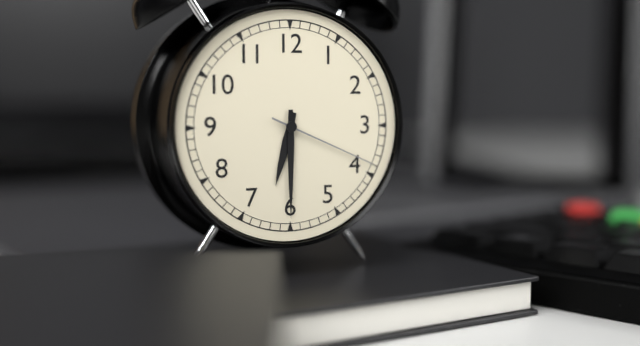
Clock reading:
**6:30:19**
